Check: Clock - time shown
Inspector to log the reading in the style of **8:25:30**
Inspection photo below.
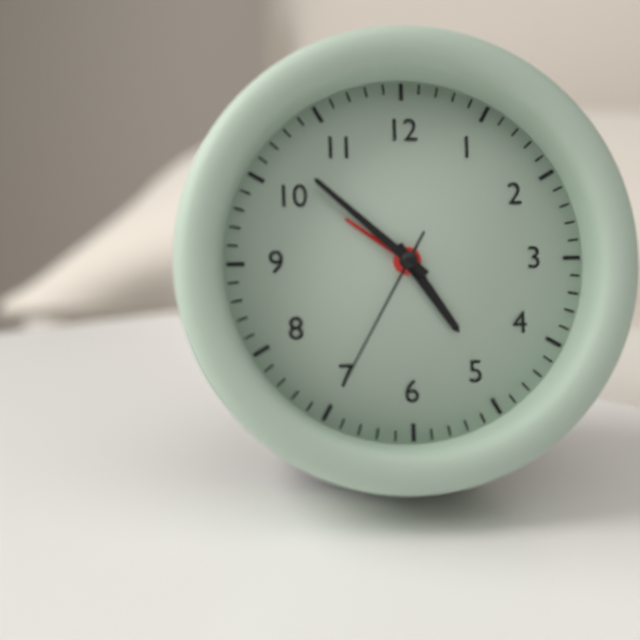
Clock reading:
**4:52:35**
